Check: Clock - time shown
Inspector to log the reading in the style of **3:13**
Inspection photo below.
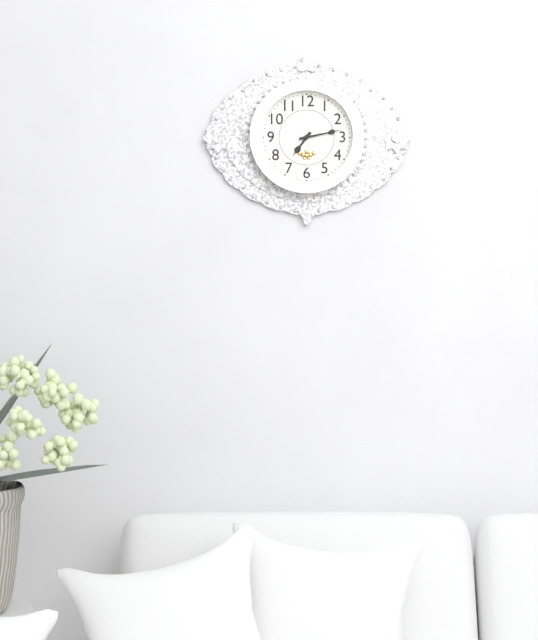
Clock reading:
**7:13**
